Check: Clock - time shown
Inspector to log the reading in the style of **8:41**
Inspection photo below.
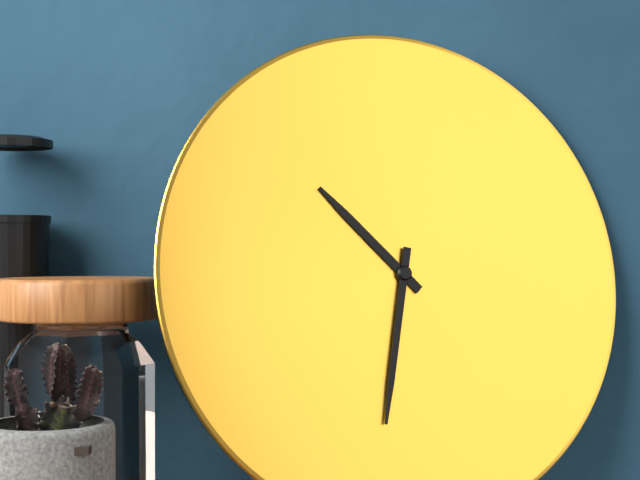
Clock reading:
**10:32**
